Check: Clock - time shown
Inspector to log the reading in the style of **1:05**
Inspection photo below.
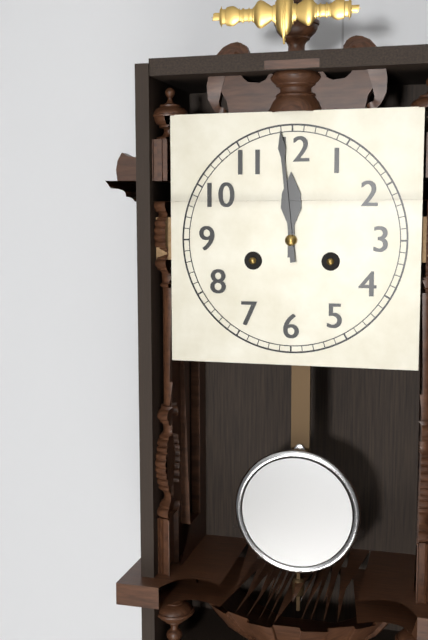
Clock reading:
**11:59**
